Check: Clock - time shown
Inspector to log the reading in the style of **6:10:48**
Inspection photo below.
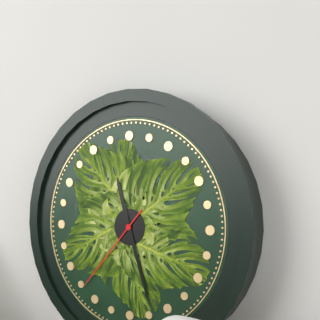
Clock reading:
**11:27:37**
